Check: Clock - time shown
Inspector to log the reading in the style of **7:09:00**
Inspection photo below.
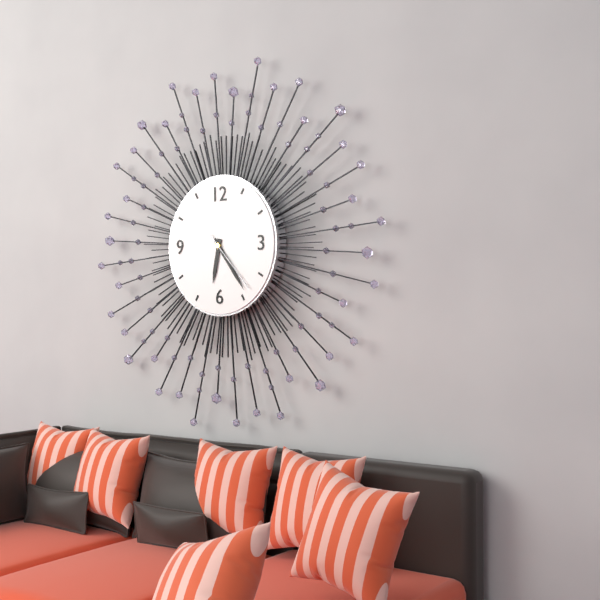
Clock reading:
**6:24:23**
